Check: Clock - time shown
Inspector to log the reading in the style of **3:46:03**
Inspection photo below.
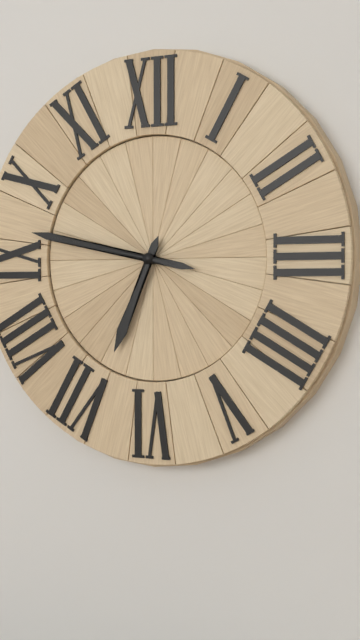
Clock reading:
**6:47:47**
